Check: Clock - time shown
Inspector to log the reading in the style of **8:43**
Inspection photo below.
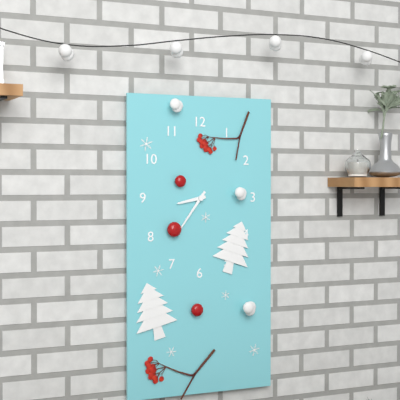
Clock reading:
**8:36**
